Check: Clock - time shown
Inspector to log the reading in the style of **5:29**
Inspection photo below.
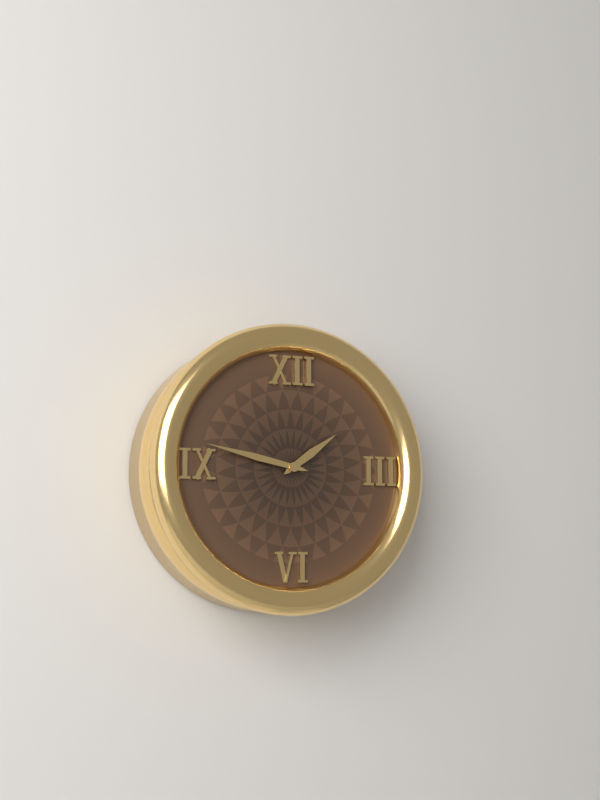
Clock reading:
**1:47**
